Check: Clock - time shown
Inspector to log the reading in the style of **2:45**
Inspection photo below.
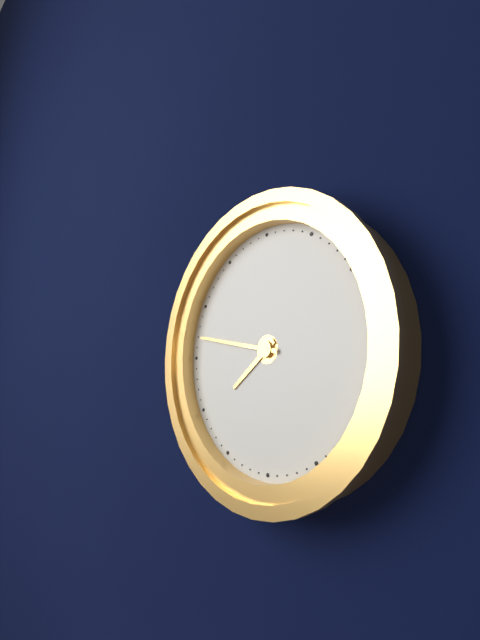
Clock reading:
**7:47**
